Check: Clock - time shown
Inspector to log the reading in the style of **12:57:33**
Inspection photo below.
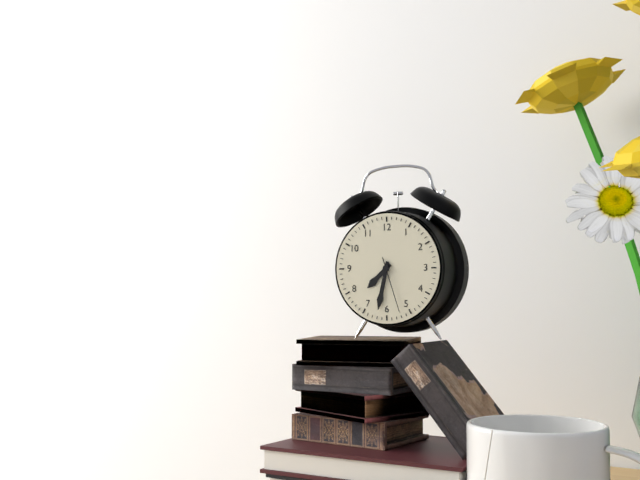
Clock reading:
**7:32:27**
